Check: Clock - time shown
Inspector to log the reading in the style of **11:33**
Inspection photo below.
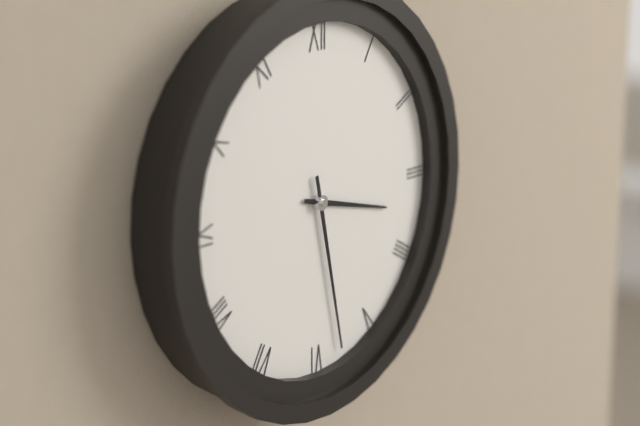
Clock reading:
**3:28**
